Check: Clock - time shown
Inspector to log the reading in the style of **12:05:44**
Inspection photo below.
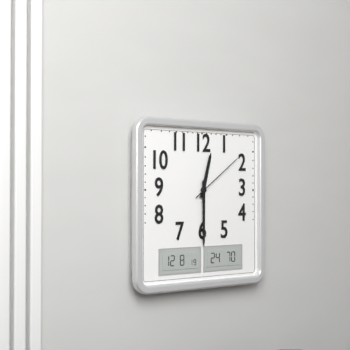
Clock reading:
**12:30:09**
